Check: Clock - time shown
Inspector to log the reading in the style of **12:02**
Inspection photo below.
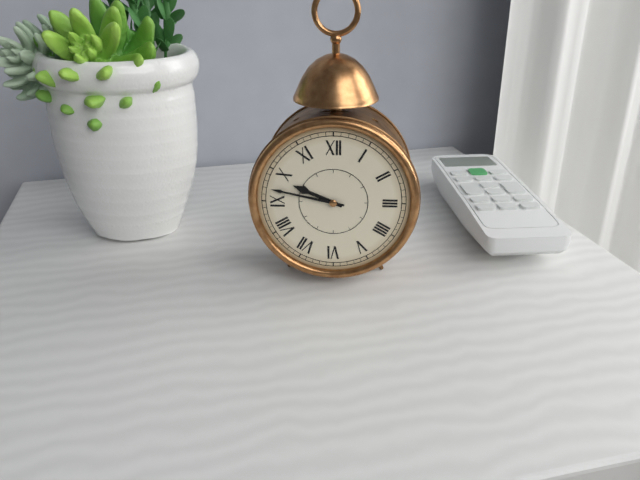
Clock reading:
**9:47**
